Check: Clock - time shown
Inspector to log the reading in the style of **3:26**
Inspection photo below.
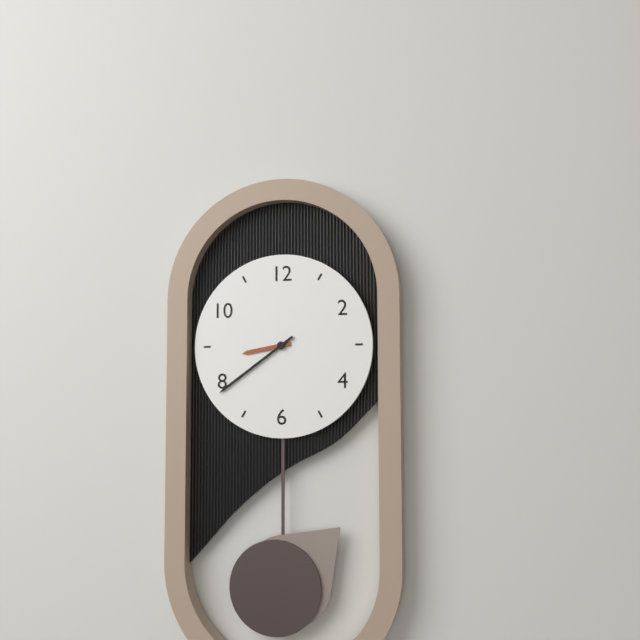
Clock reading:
**8:39**
